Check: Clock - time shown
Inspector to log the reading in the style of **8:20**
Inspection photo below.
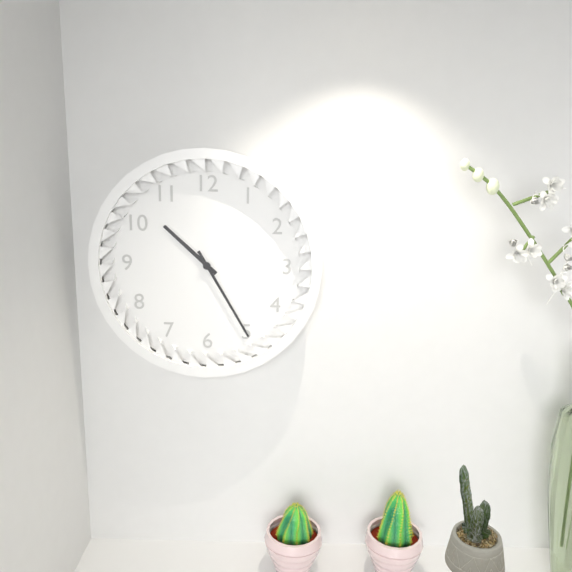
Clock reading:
**10:25**
